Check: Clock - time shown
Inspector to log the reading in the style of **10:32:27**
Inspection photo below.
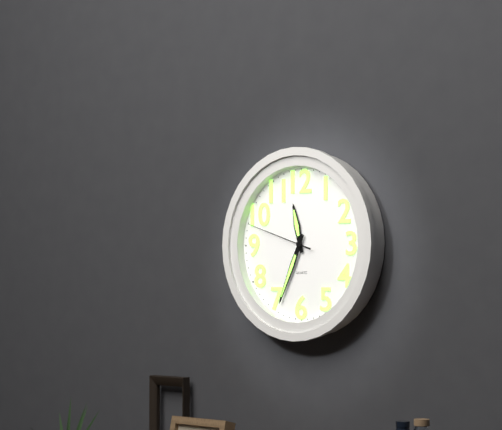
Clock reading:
**11:34:48**
